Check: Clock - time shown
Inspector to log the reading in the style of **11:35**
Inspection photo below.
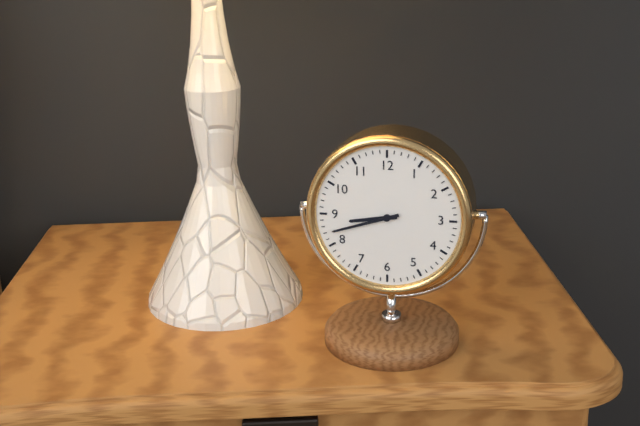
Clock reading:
**8:42**
